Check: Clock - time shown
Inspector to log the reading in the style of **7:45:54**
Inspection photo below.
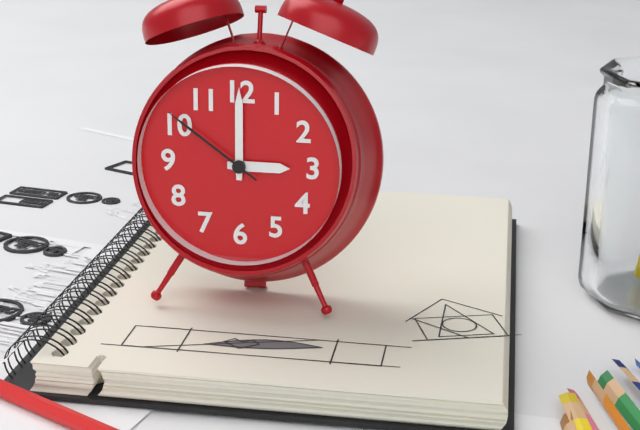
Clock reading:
**3:00:51**
